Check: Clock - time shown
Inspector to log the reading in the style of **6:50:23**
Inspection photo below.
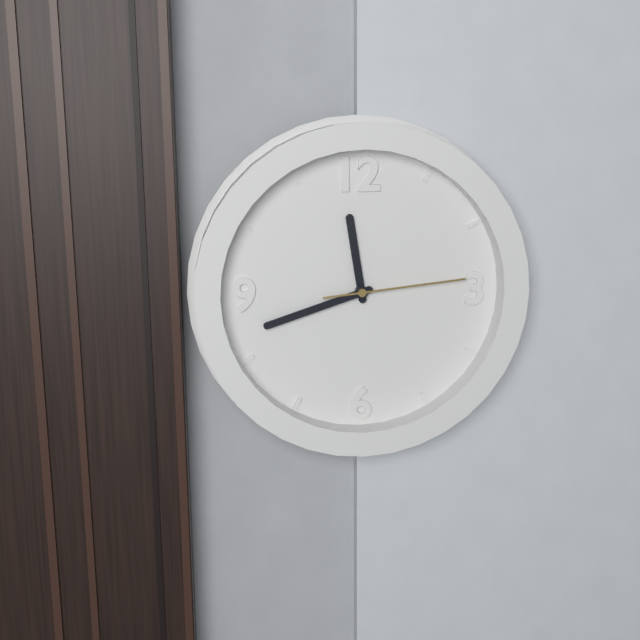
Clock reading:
**11:42:14**
